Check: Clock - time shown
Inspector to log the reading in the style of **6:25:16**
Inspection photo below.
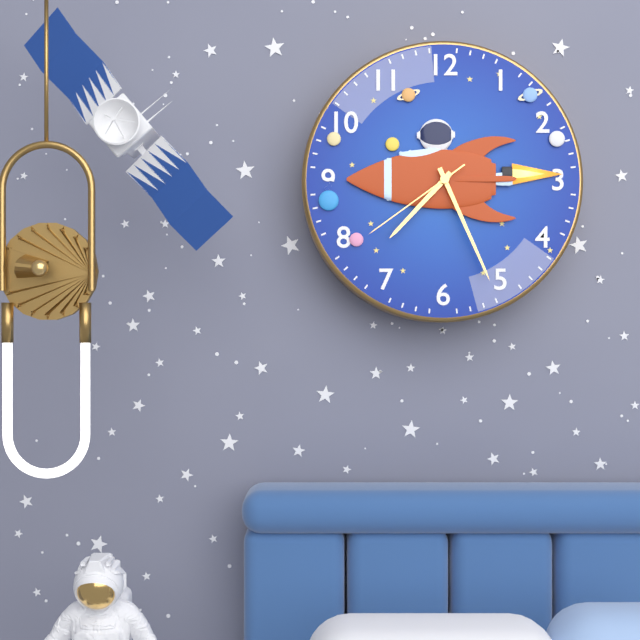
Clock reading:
**7:26:39**
